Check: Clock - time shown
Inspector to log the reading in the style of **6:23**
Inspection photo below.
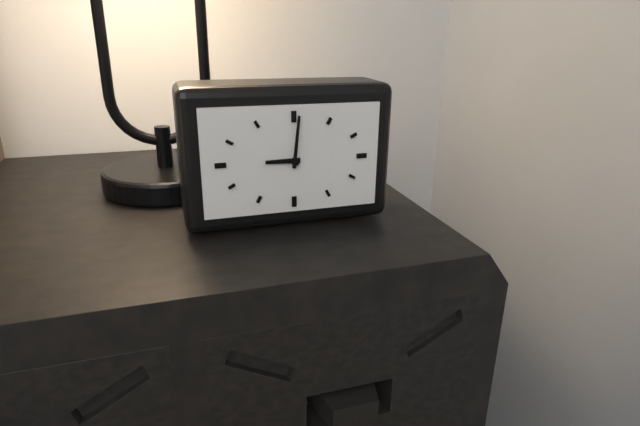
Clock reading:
**9:01**
